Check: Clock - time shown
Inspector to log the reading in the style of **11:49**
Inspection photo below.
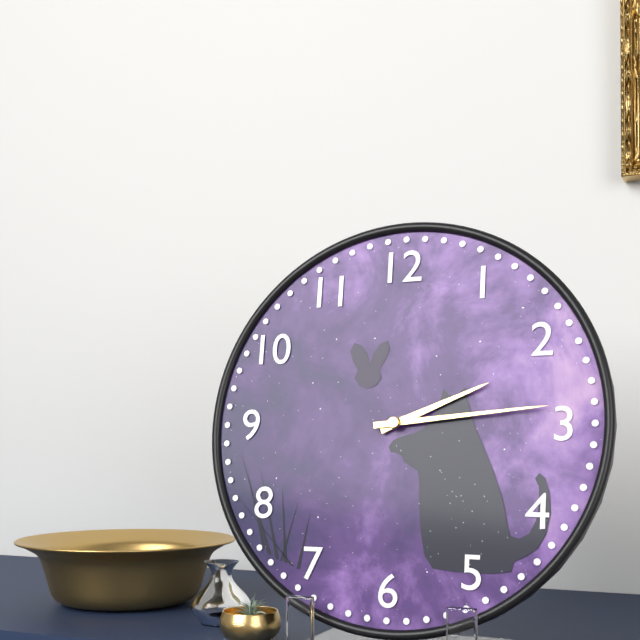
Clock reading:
**2:14**
